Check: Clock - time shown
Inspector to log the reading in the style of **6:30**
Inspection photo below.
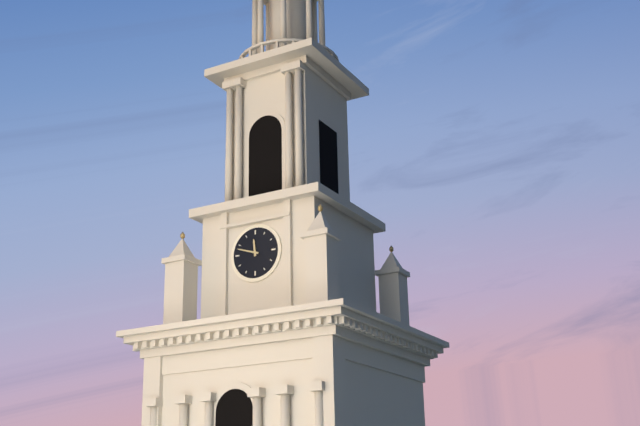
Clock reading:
**11:48**
